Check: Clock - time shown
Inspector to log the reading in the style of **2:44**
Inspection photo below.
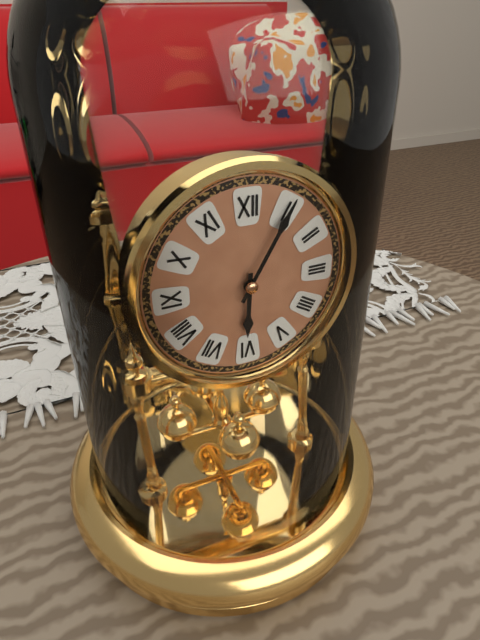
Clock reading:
**6:05**
